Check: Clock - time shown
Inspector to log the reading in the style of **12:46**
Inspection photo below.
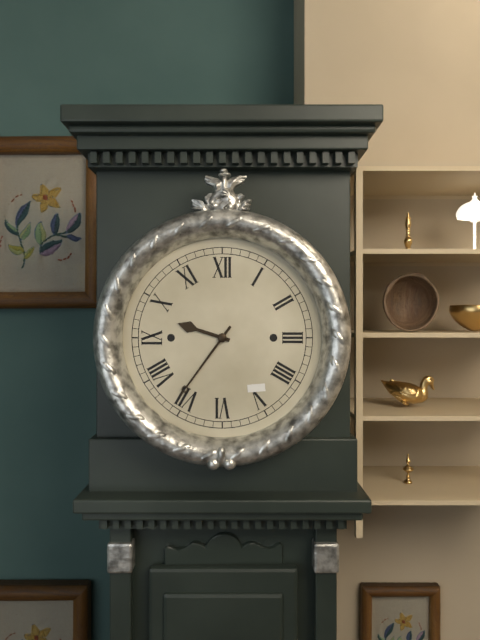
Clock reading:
**9:36**
